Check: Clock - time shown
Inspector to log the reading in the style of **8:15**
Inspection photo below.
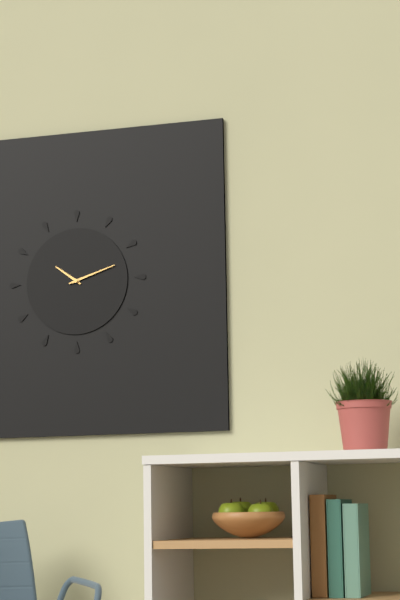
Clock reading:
**10:12**
